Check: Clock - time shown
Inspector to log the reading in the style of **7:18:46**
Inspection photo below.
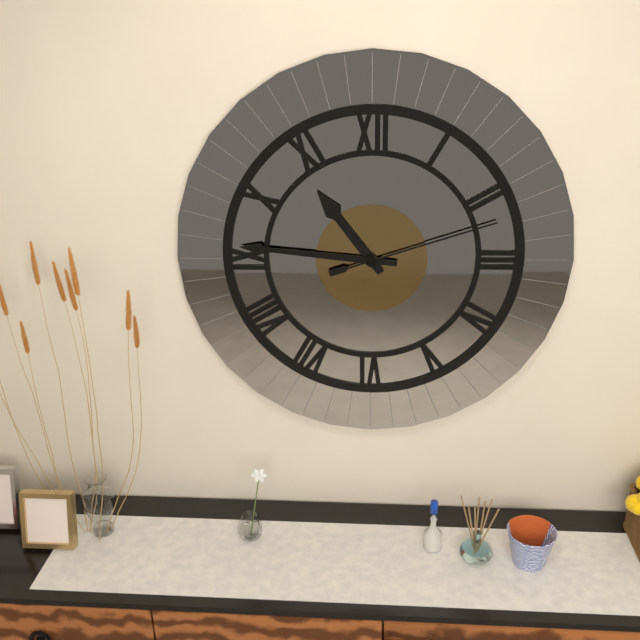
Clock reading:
**10:46:12**
